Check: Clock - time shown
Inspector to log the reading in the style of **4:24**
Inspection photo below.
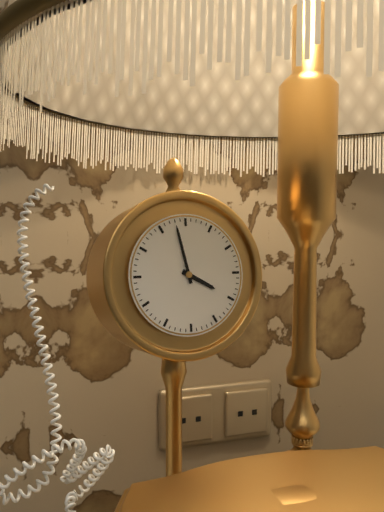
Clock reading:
**3:58**
